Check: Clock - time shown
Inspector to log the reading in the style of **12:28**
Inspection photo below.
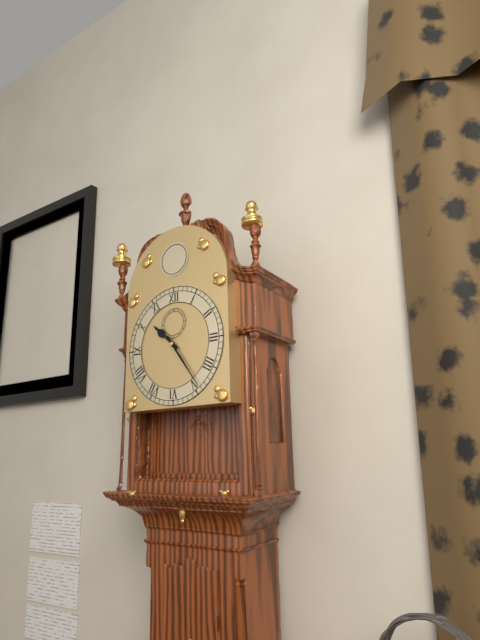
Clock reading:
**10:24**
